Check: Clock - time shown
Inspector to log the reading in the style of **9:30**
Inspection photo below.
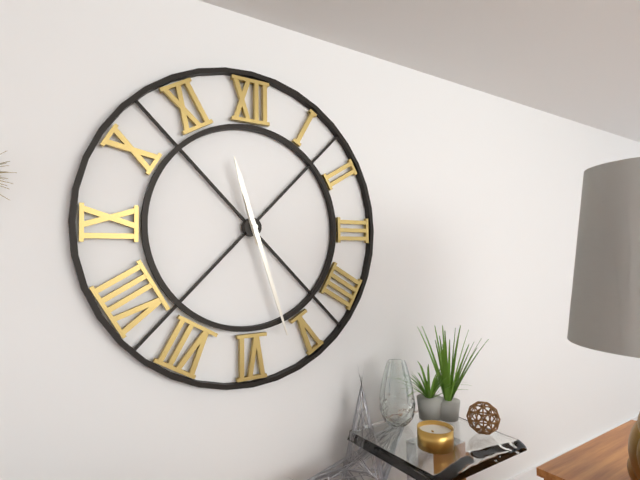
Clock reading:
**11:27**
